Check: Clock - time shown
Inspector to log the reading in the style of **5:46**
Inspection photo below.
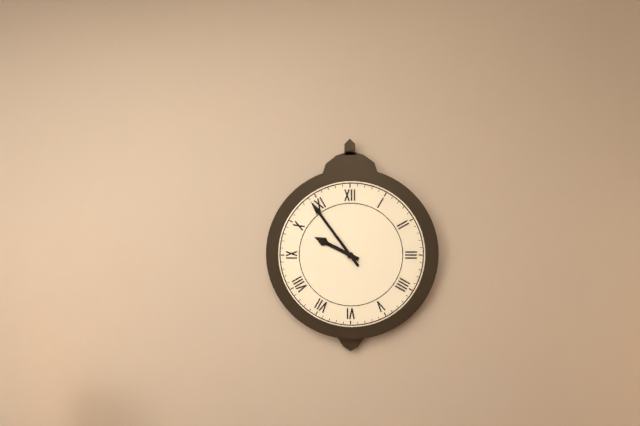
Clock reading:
**9:54**
